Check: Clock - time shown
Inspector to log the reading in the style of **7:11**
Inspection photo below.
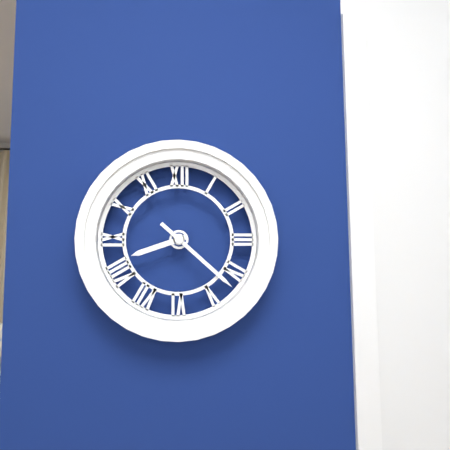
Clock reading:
**8:22**
